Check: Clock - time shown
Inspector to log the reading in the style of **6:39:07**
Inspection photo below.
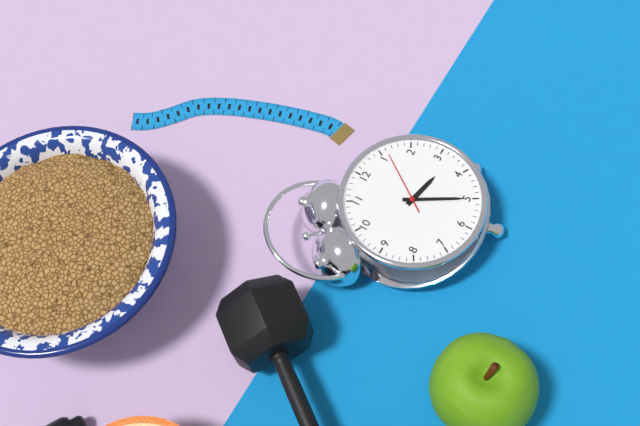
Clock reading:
**3:25:06**
